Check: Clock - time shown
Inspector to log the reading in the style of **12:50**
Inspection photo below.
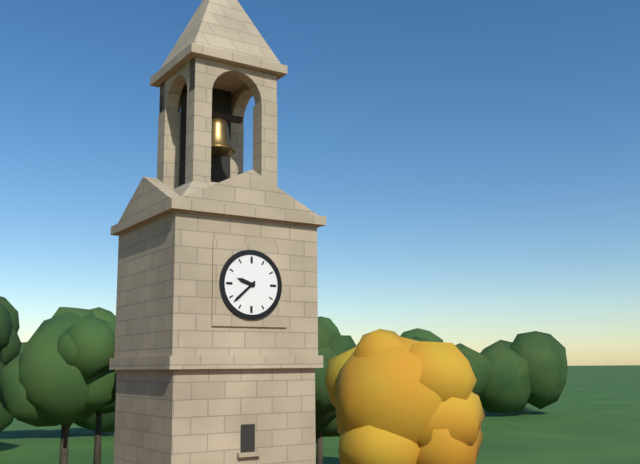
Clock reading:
**9:38**
